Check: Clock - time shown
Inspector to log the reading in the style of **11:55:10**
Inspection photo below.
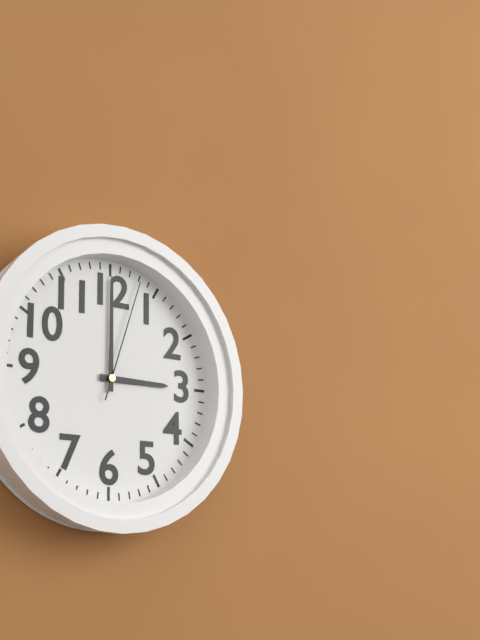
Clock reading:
**3:00:03**
